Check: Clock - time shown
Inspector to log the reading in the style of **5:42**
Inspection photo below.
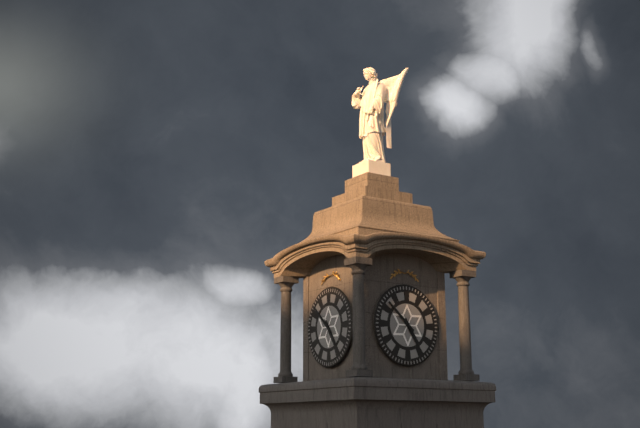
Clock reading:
**4:52**
